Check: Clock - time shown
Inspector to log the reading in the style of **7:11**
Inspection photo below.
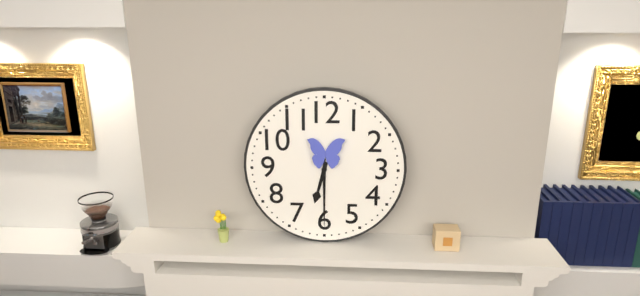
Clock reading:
**6:30**
